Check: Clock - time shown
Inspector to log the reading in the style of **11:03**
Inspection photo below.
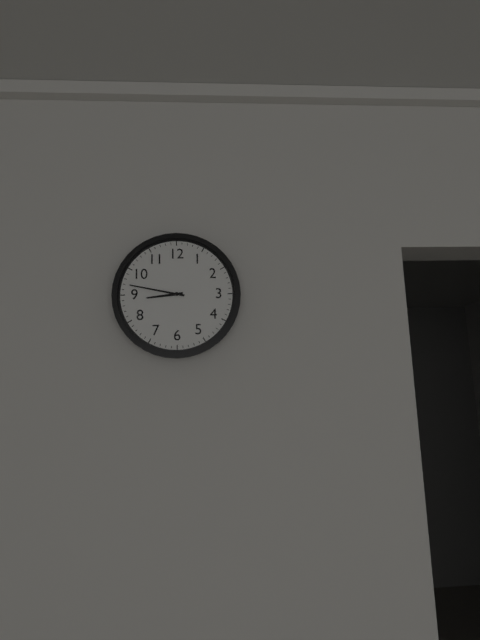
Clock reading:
**8:47**
